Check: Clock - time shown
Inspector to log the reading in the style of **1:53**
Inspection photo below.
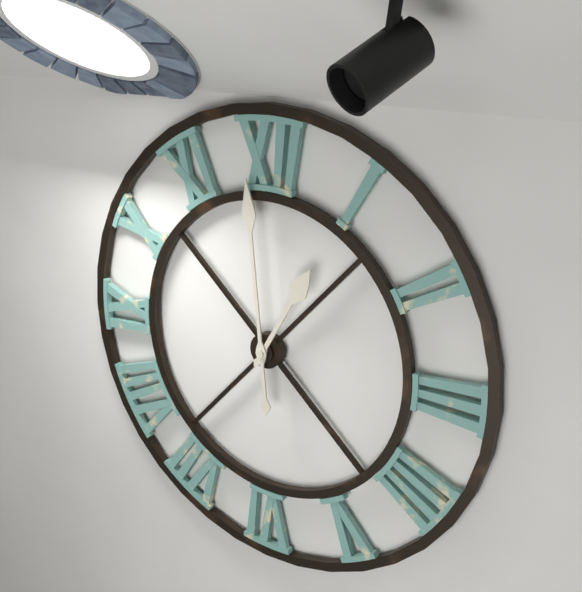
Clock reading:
**12:59**
